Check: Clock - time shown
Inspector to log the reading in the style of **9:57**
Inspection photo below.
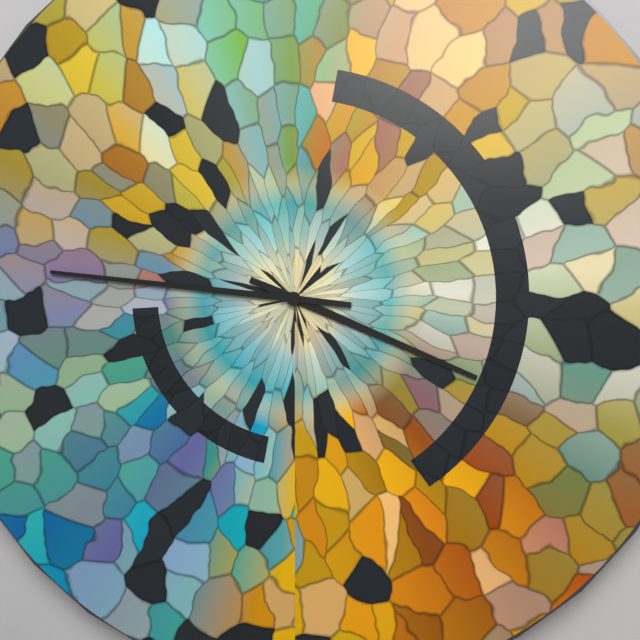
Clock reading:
**3:46**
